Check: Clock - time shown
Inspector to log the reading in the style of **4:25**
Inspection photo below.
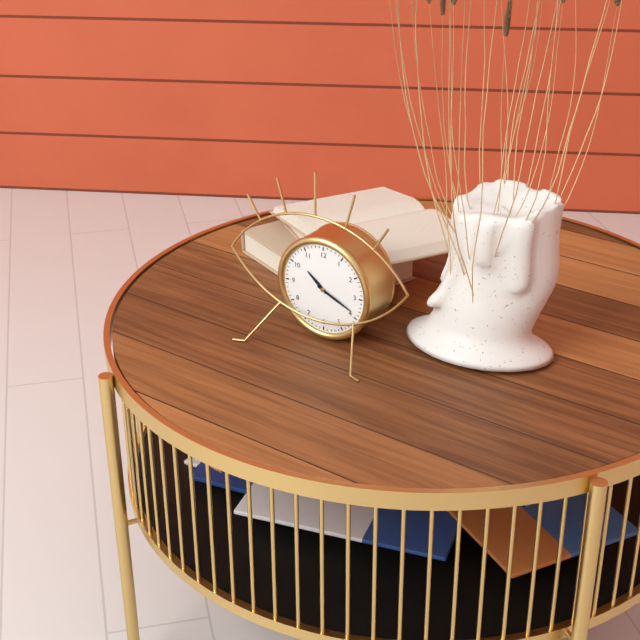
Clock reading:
**10:19**
